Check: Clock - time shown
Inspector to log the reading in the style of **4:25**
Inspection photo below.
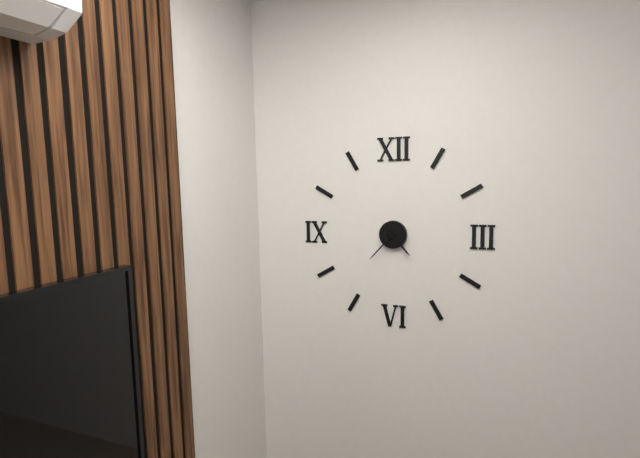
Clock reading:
**4:37**
